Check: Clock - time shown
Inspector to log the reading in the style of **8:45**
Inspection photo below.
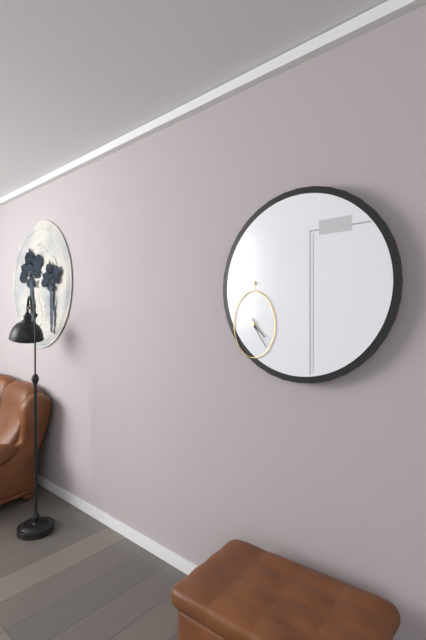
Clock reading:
**4:24**
